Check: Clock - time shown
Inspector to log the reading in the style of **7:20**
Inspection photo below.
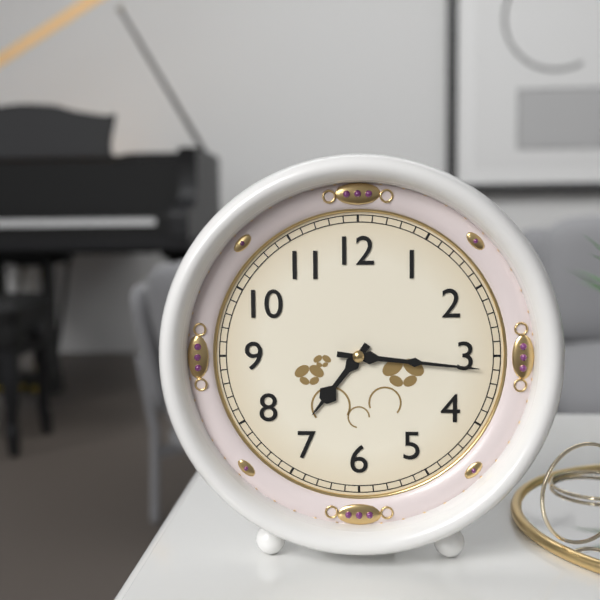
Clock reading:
**7:16**
